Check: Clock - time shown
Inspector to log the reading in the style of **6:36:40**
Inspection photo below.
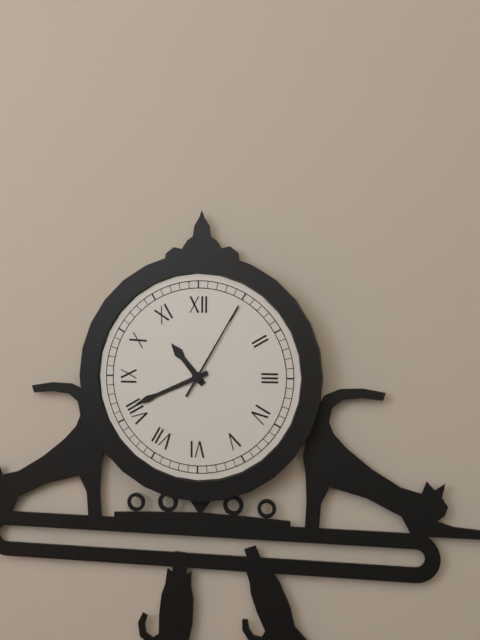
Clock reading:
**10:41:05**
